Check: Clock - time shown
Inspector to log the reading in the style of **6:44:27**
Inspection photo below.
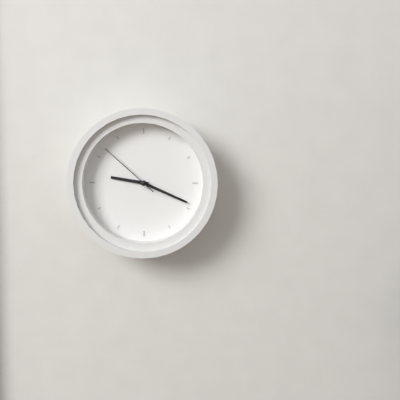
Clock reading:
**9:19:52**
